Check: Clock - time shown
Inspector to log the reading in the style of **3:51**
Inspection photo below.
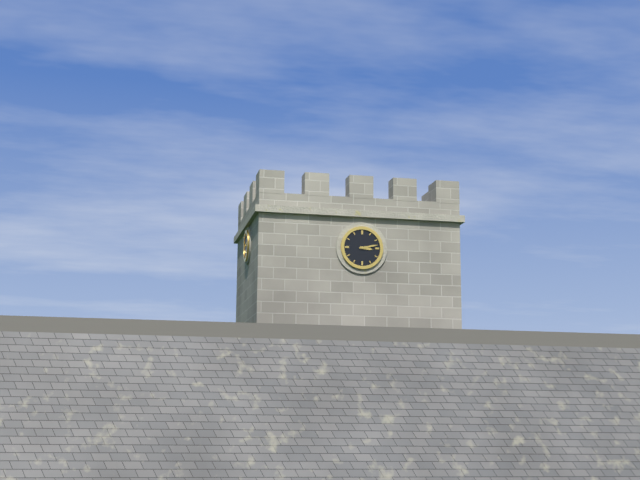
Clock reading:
**3:13**
